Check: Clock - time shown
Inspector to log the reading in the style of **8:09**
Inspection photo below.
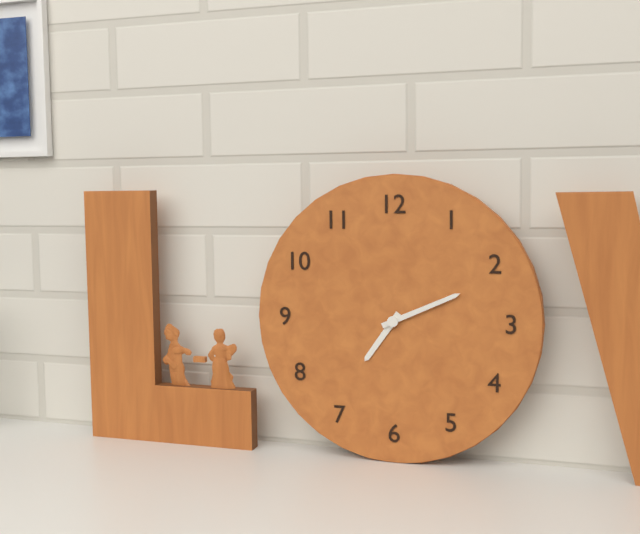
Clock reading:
**7:11**
